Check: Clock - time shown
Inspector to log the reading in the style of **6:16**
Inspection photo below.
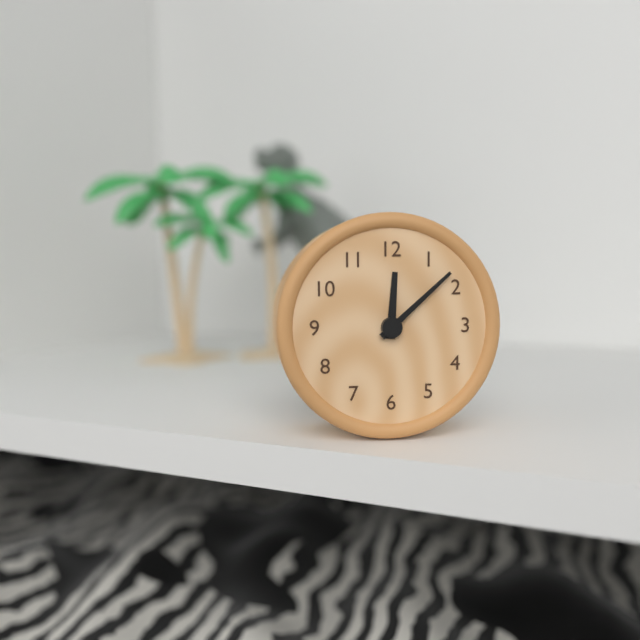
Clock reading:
**12:08**
